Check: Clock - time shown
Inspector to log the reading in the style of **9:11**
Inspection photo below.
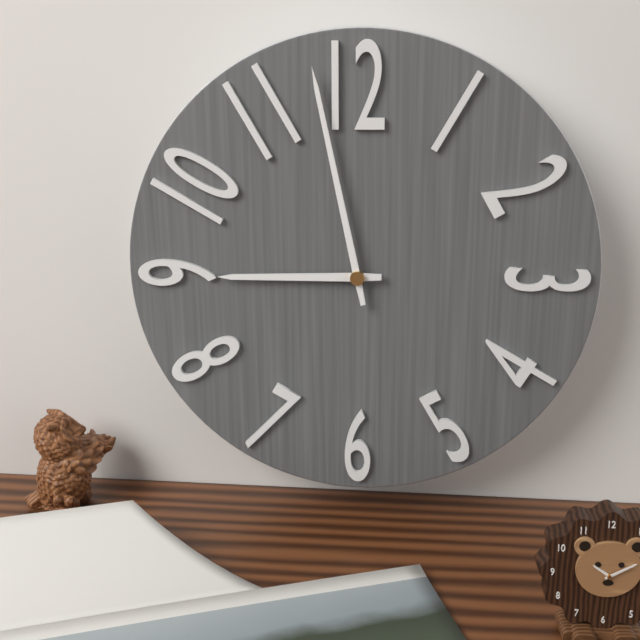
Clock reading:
**8:58**
